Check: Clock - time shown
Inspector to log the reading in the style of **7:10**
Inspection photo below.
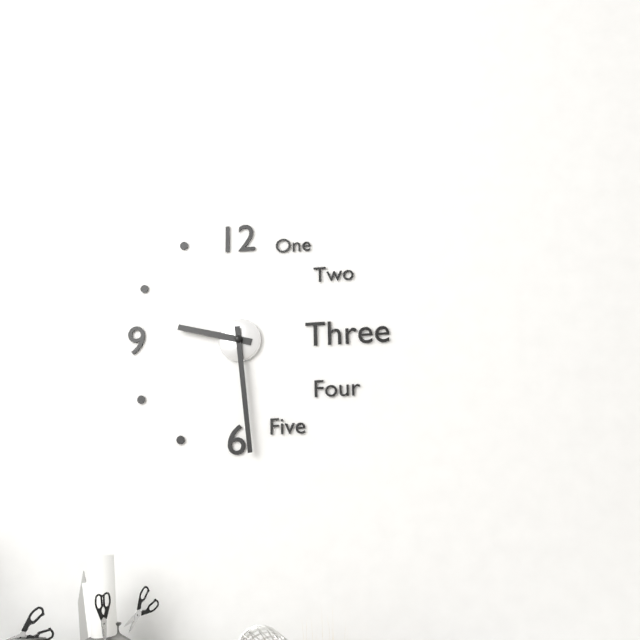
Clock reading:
**9:29**
